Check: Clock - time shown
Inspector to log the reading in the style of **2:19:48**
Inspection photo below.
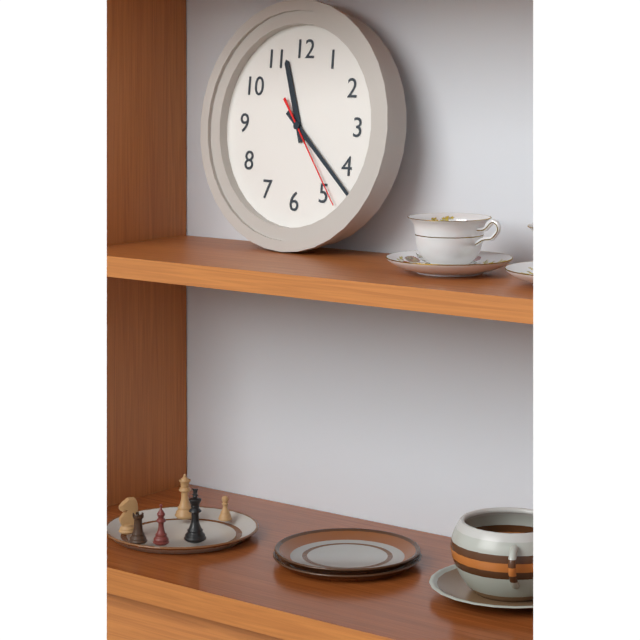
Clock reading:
**11:22:24**
